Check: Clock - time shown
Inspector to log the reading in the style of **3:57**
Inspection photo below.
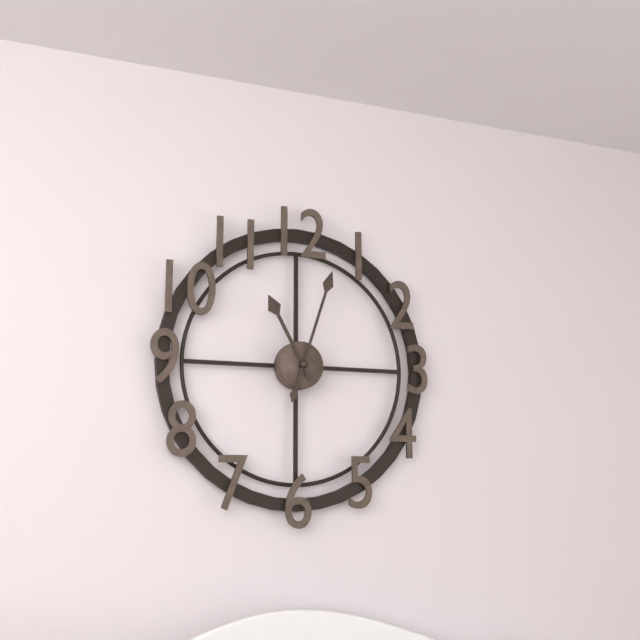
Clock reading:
**11:03**
